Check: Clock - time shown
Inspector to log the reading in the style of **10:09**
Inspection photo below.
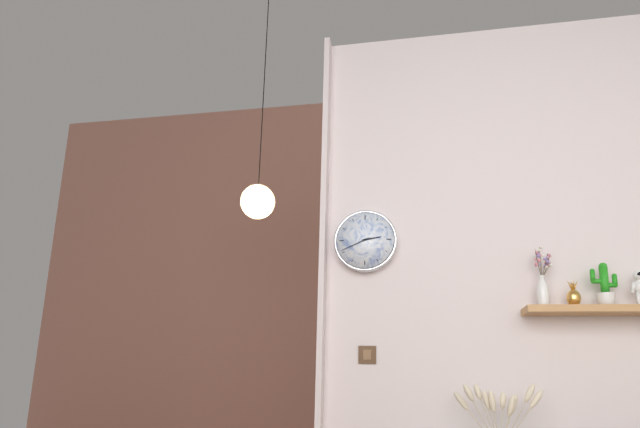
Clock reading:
**2:41**
